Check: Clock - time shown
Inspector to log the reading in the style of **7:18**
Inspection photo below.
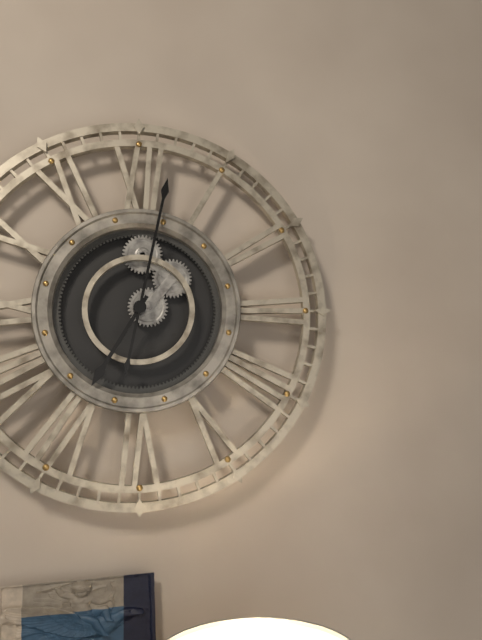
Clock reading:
**7:02**
